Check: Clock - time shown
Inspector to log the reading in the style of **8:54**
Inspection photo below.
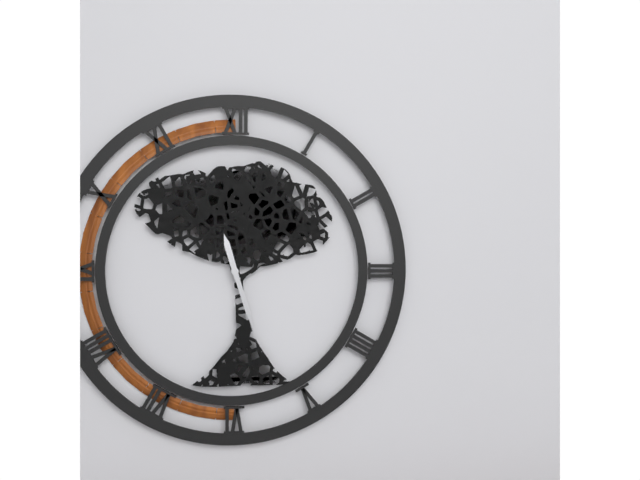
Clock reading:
**11:27**
